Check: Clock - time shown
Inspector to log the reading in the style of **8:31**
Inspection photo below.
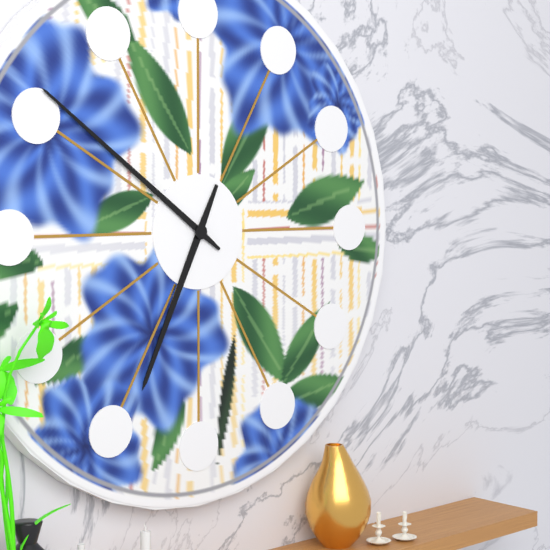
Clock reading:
**6:51**
